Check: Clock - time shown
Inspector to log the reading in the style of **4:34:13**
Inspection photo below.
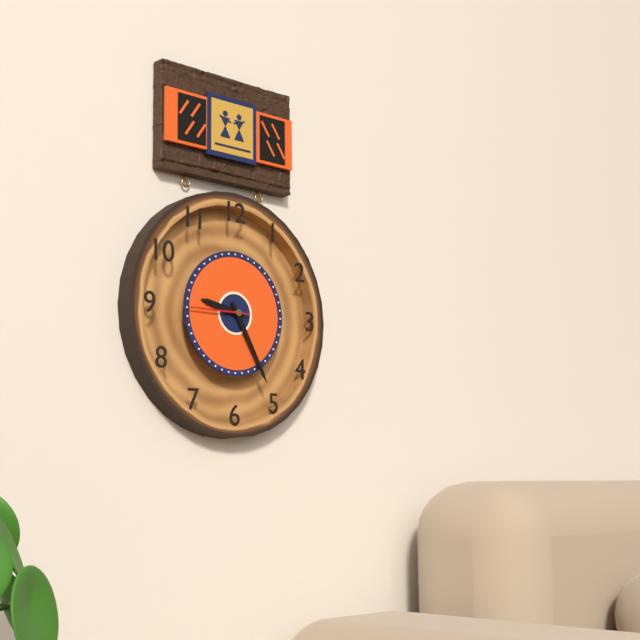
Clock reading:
**9:25:45**
